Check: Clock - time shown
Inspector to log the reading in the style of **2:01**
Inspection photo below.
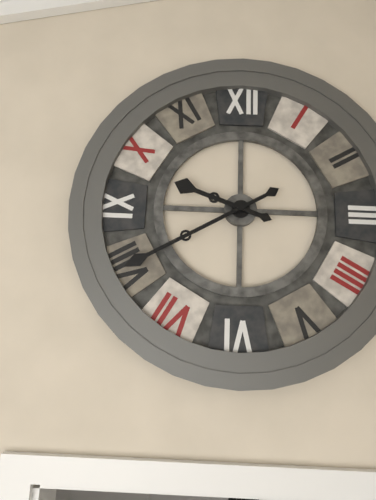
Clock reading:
**9:40**
